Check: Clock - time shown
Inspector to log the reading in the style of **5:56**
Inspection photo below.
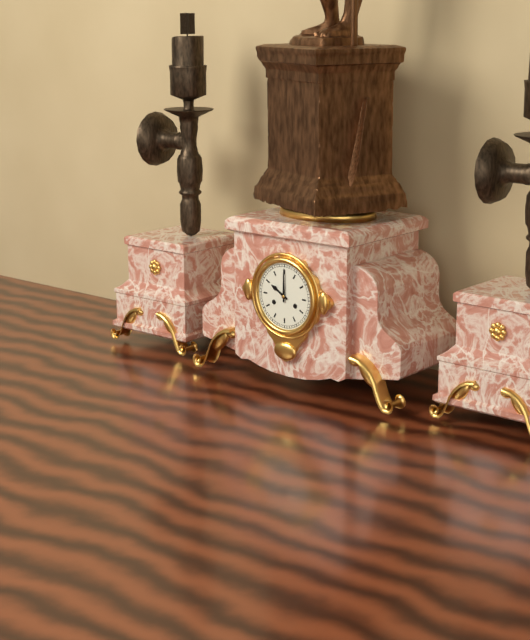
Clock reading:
**10:00**
